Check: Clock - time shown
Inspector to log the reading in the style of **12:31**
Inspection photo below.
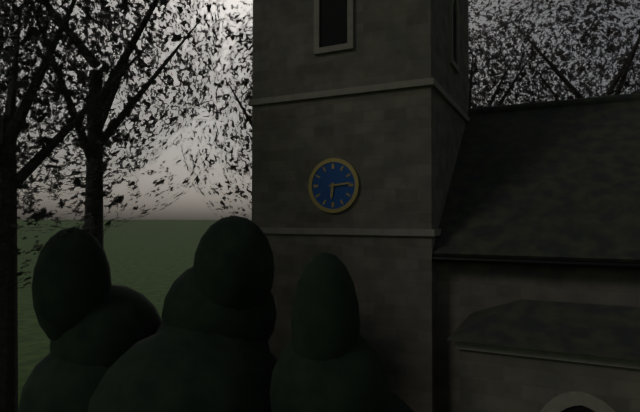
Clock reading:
**6:14**
